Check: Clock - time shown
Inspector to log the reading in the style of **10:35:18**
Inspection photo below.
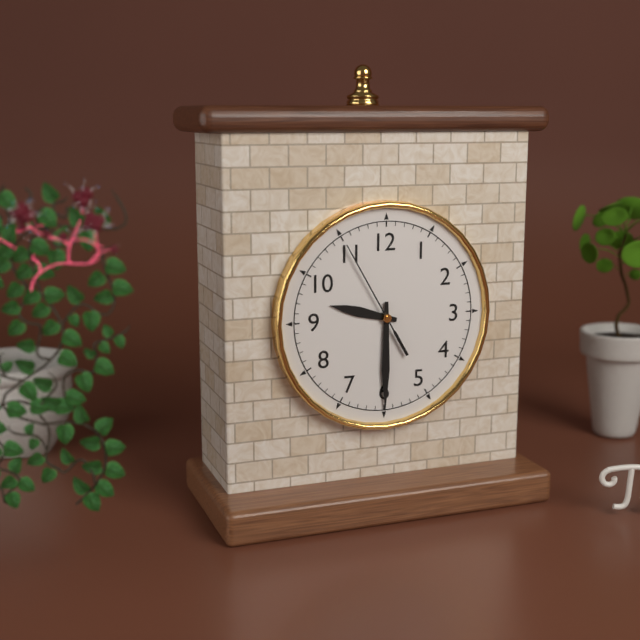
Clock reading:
**9:30:55**
